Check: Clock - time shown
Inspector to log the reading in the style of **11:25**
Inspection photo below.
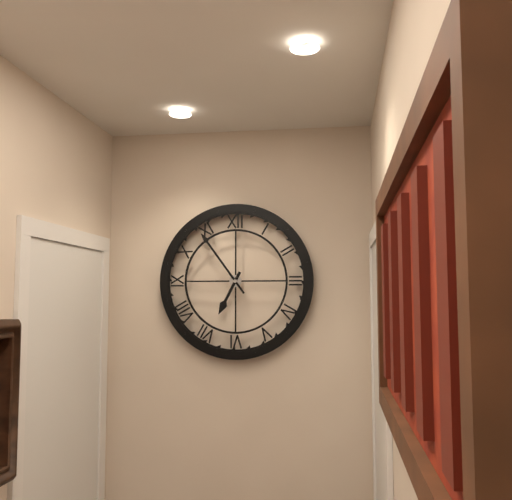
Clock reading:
**6:54**
